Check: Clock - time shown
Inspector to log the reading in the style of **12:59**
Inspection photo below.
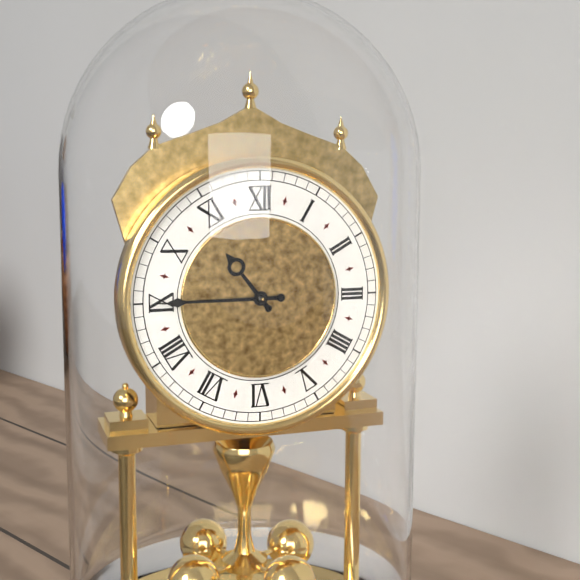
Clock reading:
**10:45**
